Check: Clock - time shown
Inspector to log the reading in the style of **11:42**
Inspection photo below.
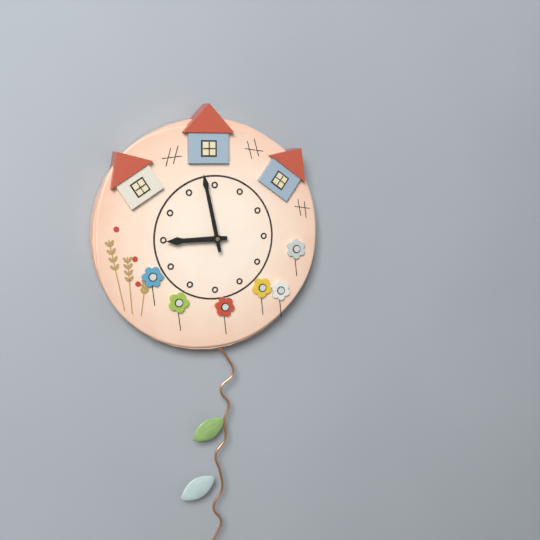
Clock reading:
**8:58**
